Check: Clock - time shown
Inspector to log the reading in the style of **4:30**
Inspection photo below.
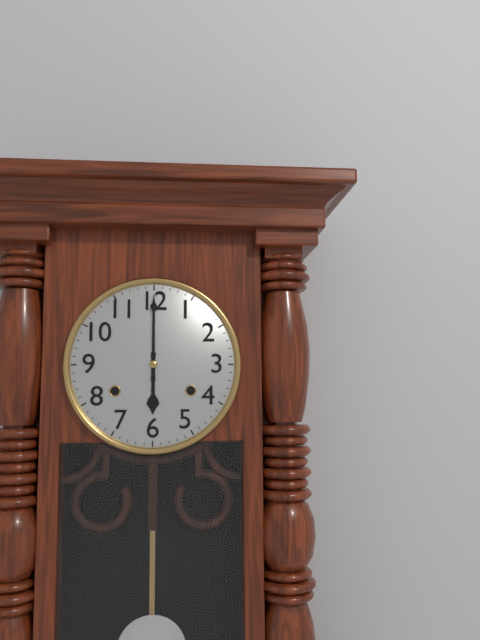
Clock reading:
**6:00**
